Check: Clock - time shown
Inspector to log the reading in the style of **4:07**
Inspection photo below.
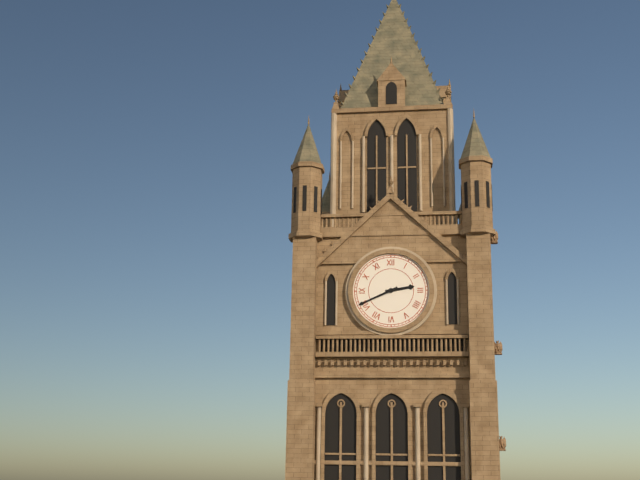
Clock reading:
**2:41**
